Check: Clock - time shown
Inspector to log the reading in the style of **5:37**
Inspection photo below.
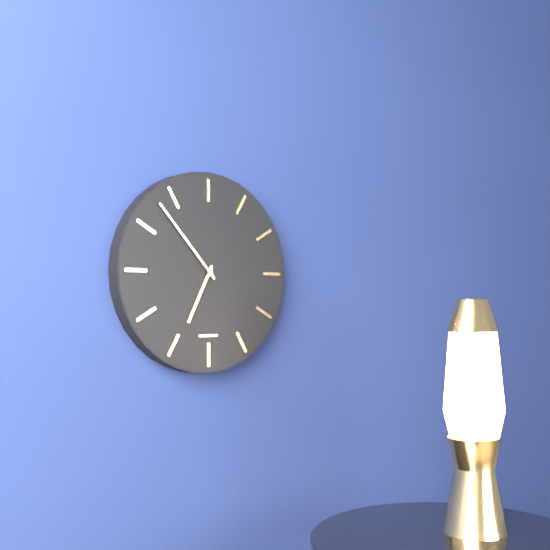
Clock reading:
**6:53**
